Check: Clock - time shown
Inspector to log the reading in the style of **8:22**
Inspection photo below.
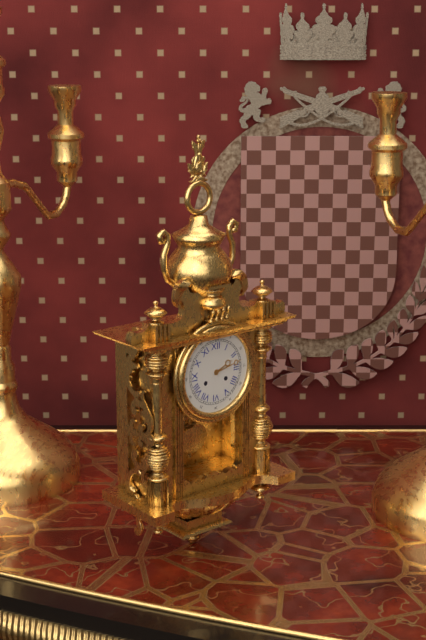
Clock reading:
**2:13**
